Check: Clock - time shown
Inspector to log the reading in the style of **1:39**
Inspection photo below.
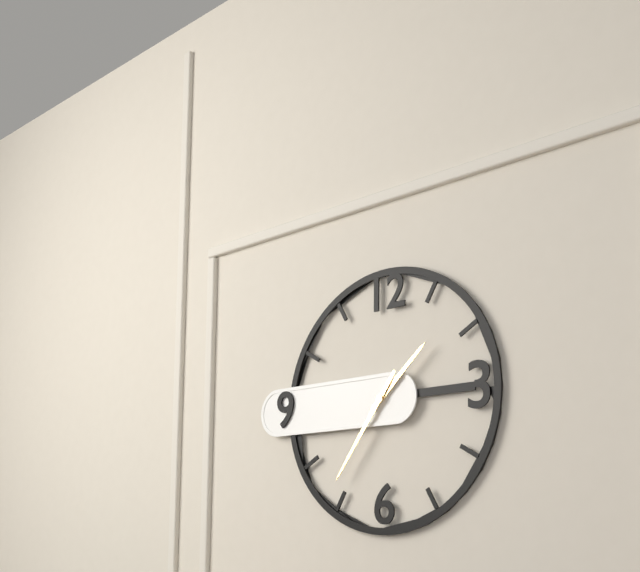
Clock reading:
**1:36**
